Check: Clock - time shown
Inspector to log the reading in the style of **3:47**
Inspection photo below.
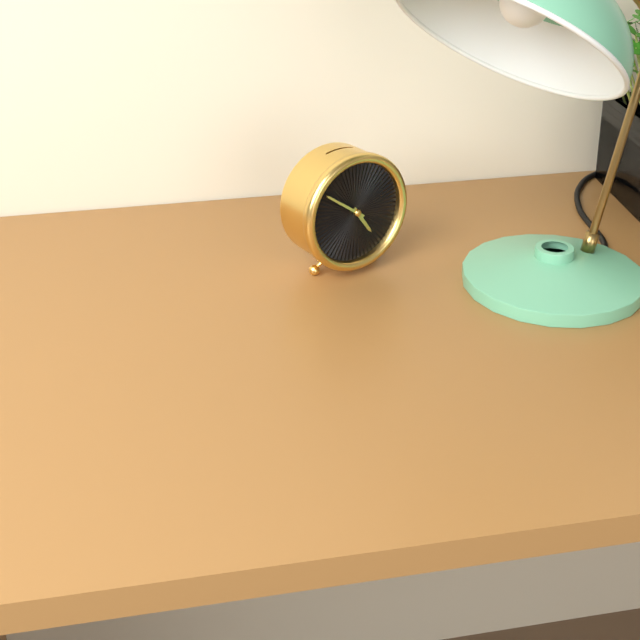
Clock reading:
**4:51**
